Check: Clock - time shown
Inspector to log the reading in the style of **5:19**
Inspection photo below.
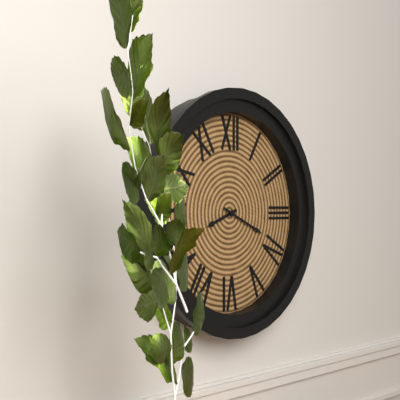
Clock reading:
**8:19**
